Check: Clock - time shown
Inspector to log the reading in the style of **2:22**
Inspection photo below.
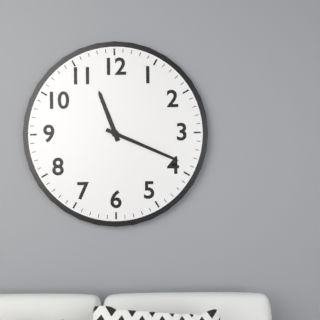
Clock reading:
**11:19**
